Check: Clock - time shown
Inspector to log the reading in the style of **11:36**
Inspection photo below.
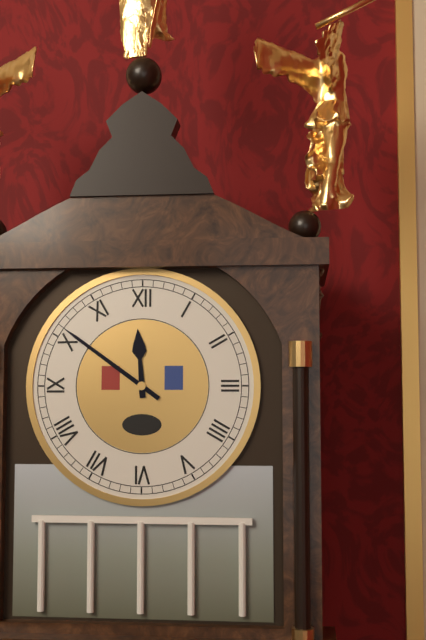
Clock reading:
**11:51**
